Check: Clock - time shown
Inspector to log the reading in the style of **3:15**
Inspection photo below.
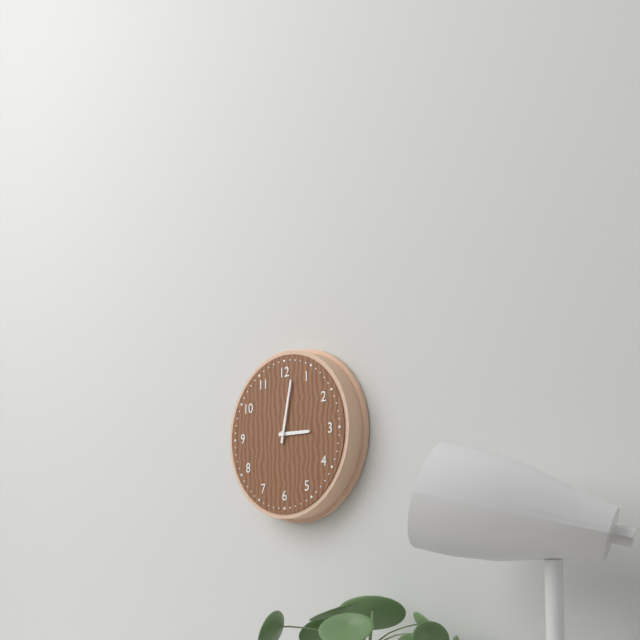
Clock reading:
**3:02**
